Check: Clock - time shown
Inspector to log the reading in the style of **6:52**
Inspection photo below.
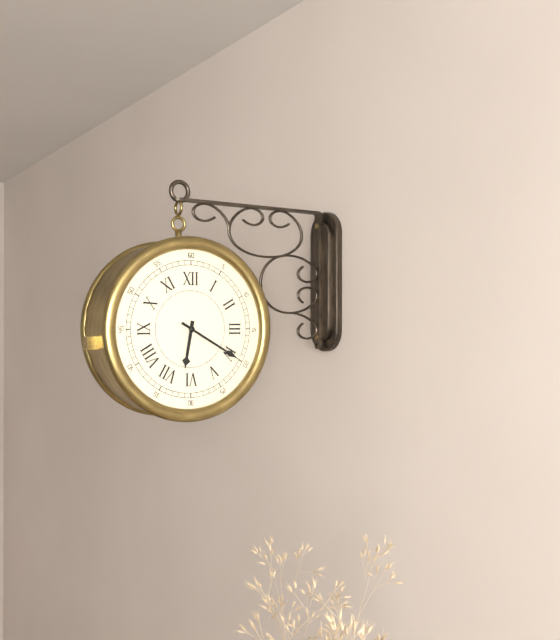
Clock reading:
**6:20**
